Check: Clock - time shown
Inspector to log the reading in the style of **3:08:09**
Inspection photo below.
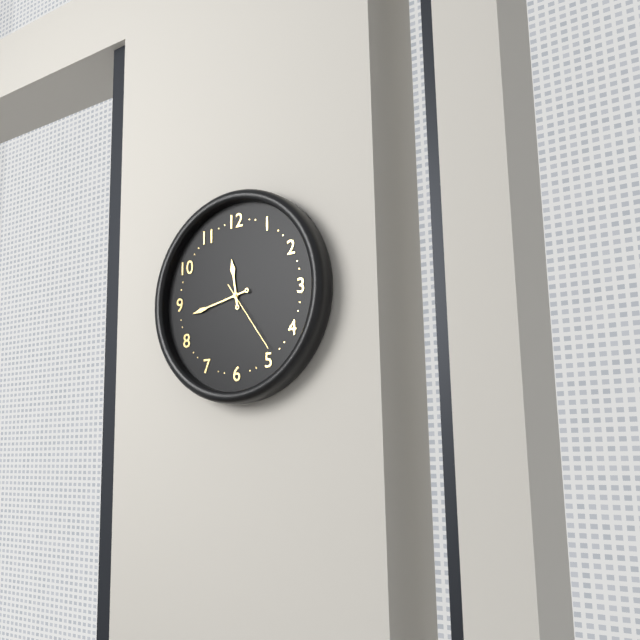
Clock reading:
**11:43:24**
